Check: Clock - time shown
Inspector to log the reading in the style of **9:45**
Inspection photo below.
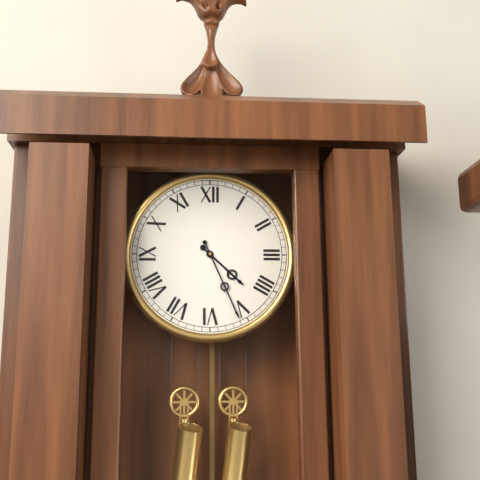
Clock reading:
**4:26**
